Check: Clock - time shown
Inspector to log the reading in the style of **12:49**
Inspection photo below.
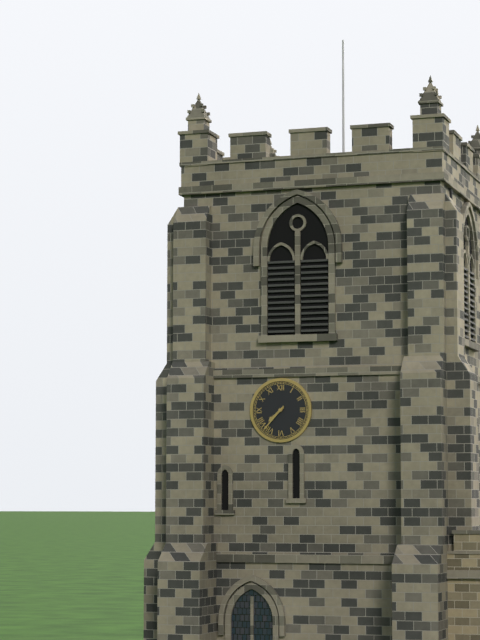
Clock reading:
**7:37**
